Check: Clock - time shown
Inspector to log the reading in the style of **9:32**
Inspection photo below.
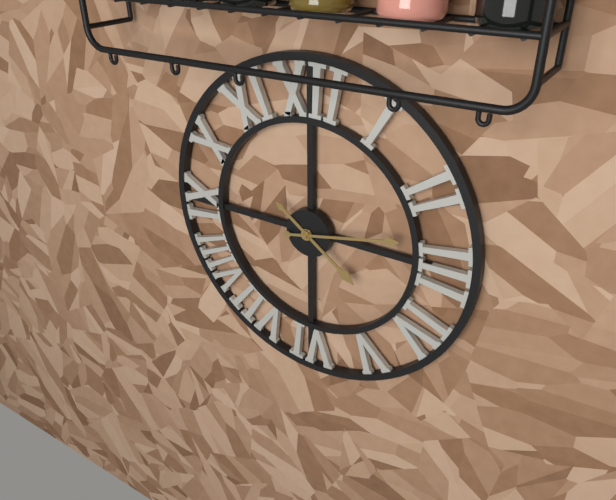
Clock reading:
**4:13**
